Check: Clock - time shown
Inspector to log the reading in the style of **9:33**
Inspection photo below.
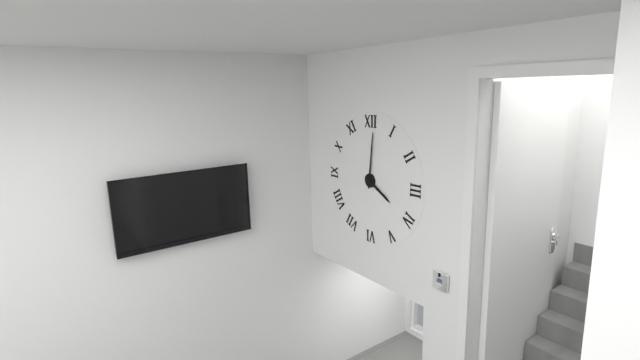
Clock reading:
**4:01**
